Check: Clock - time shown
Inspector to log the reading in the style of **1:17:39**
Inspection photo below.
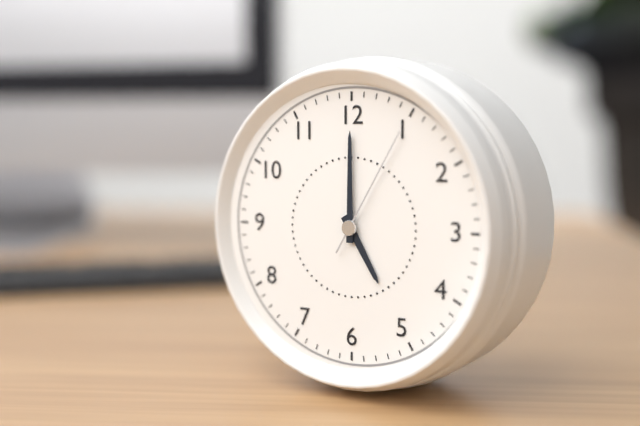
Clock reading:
**5:00:05**
